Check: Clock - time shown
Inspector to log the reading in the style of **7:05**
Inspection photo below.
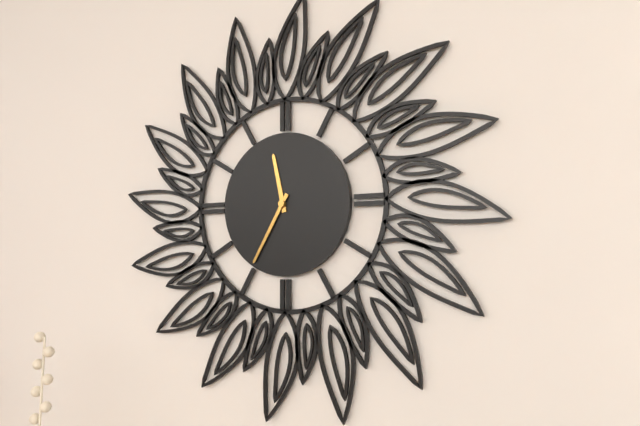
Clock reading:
**11:35**
